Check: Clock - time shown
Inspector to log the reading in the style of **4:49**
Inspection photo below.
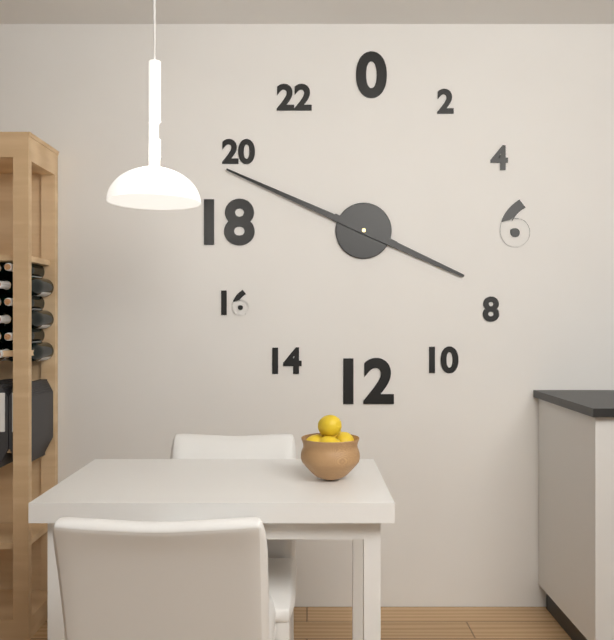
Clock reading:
**3:49**
